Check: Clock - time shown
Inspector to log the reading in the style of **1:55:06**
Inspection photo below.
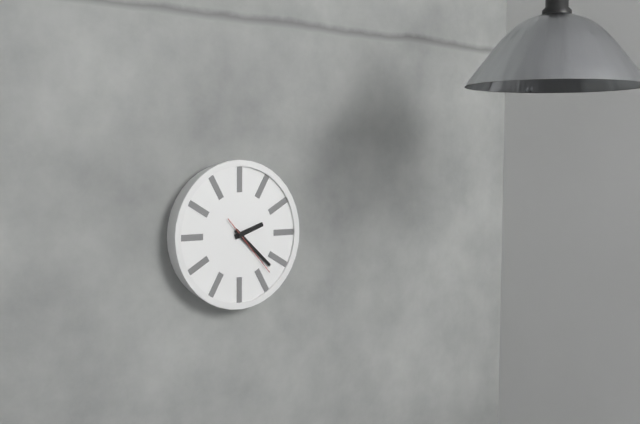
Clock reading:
**2:22:23**
